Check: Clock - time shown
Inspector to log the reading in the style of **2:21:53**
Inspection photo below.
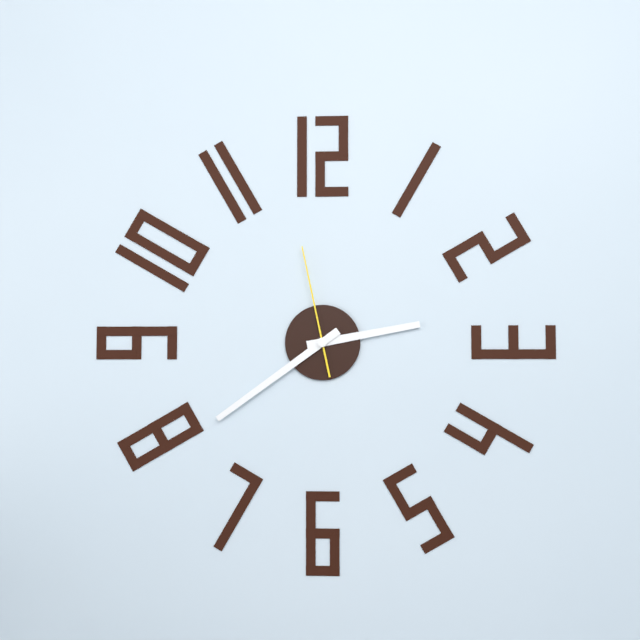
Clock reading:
**2:39:58**
